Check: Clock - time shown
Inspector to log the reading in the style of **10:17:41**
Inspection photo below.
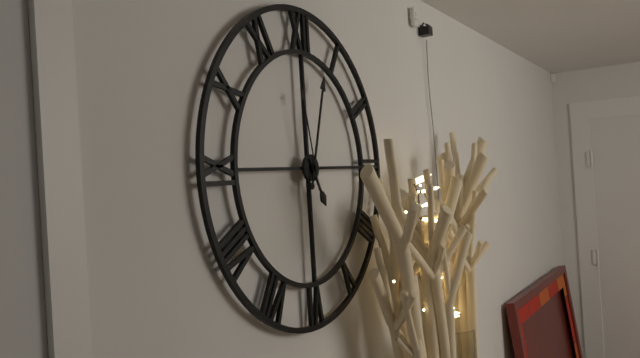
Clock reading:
**5:03:58**
